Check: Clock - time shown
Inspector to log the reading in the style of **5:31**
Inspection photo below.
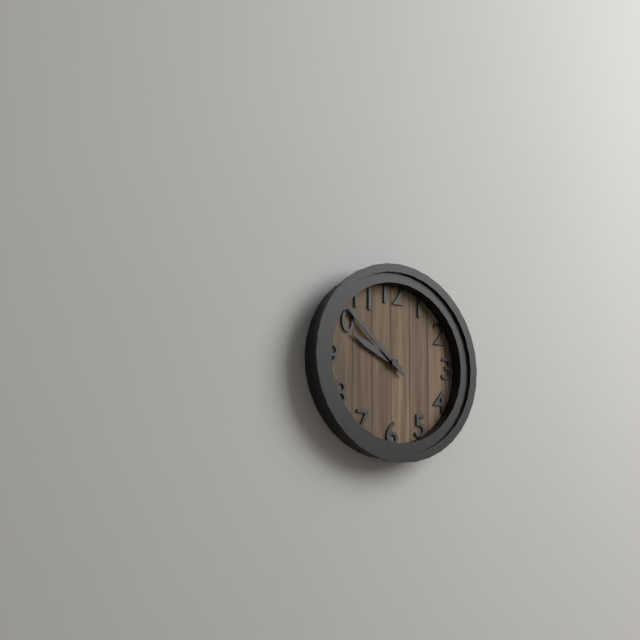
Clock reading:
**9:52**
